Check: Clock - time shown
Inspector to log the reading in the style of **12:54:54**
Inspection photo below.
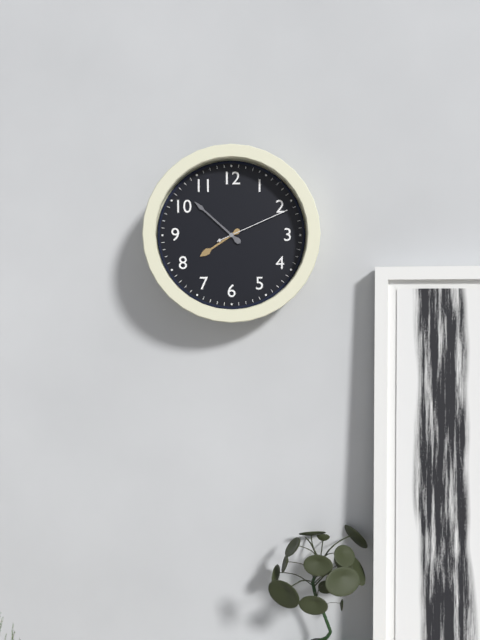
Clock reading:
**7:52:11**
